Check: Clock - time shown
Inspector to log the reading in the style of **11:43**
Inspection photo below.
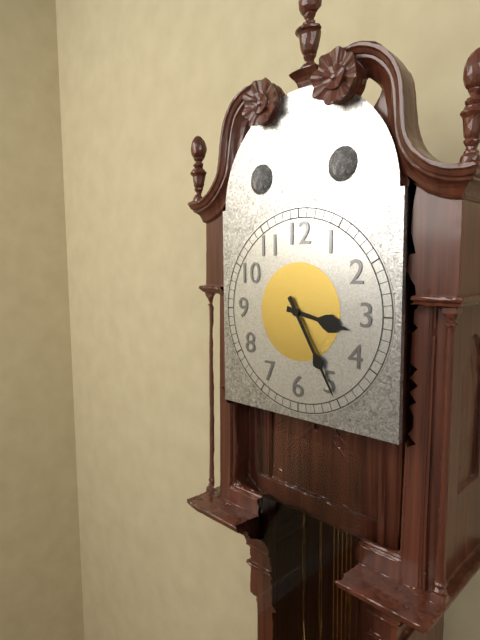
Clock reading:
**3:25**
